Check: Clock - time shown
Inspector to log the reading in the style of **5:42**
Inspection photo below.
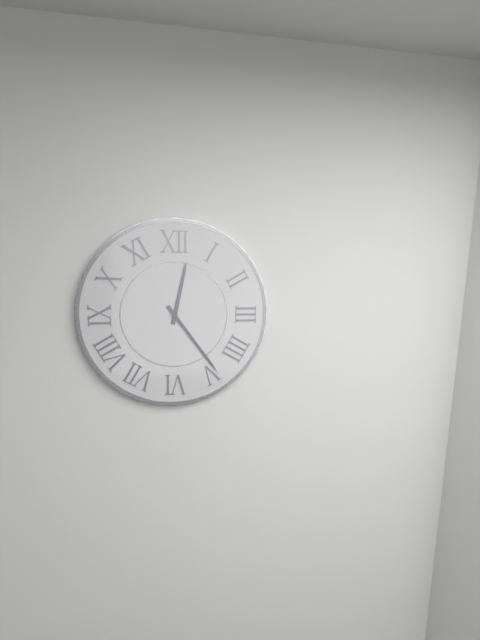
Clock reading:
**12:24**
